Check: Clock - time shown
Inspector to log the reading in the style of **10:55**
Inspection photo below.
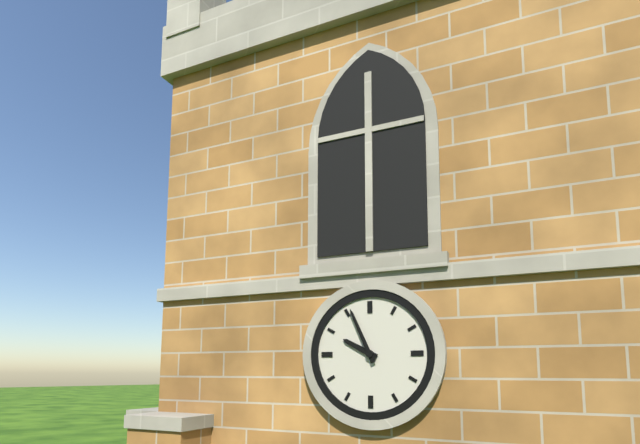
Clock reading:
**9:56**
